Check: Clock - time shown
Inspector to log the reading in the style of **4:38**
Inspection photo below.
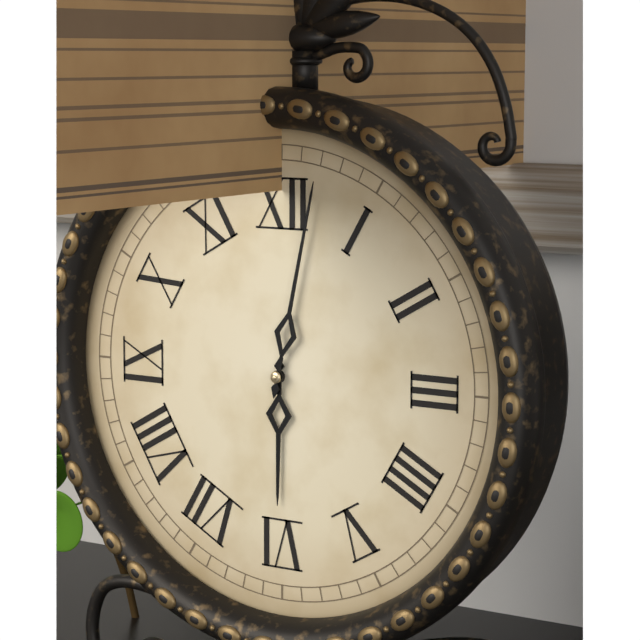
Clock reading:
**6:02**
